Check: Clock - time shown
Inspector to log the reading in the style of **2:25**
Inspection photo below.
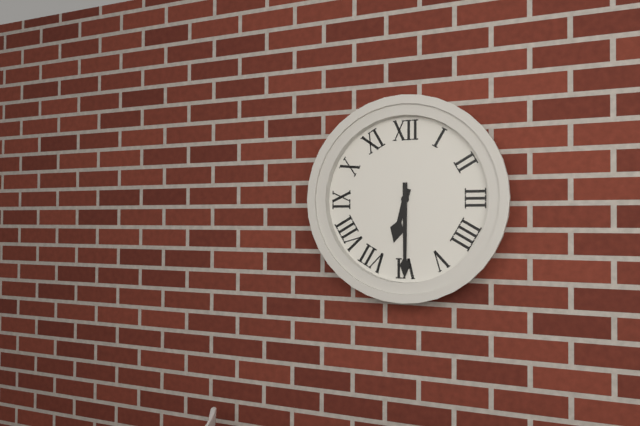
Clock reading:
**6:30**
